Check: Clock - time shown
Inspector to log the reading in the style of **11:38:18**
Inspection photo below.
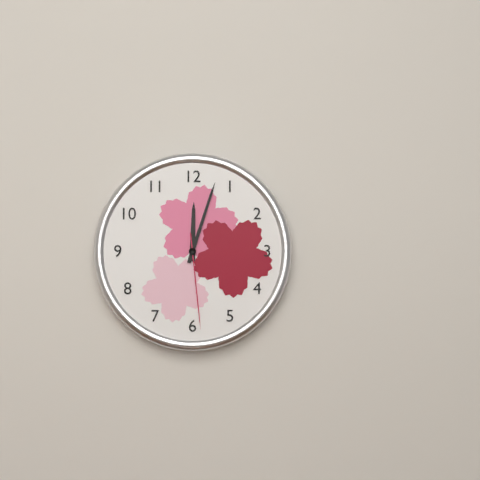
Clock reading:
**12:03:29**
